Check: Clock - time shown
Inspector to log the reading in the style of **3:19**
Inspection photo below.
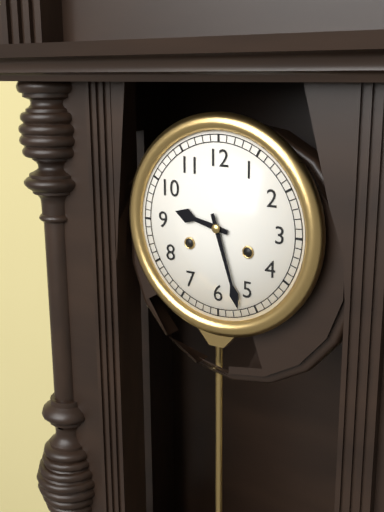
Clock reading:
**9:27**
